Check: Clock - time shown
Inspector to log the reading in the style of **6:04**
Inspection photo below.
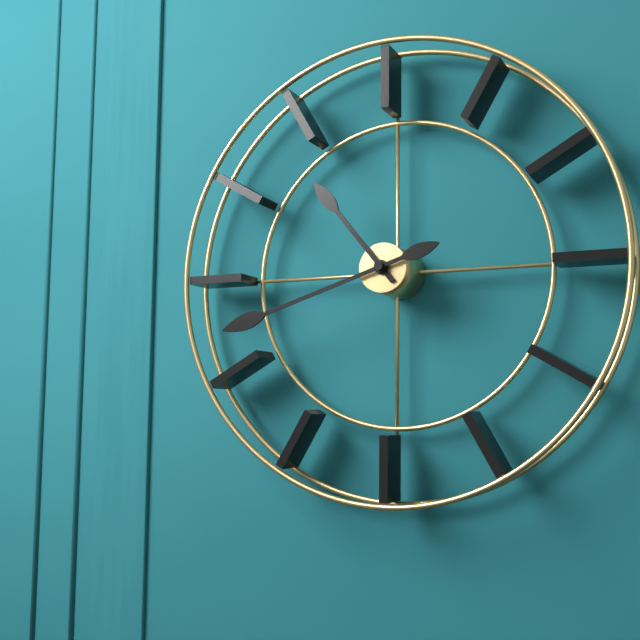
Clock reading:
**10:42**
